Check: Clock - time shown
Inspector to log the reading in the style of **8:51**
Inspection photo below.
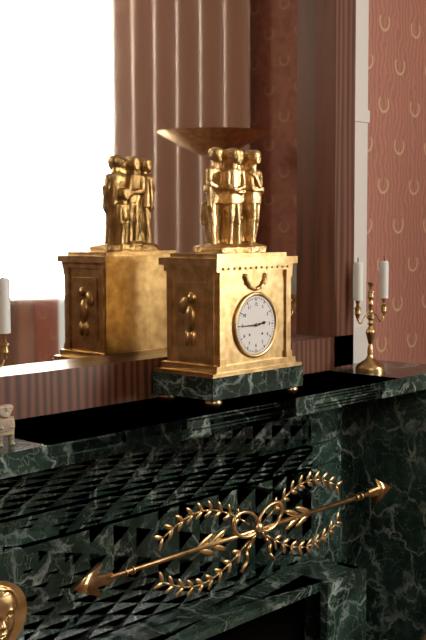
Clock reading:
**2:45**
